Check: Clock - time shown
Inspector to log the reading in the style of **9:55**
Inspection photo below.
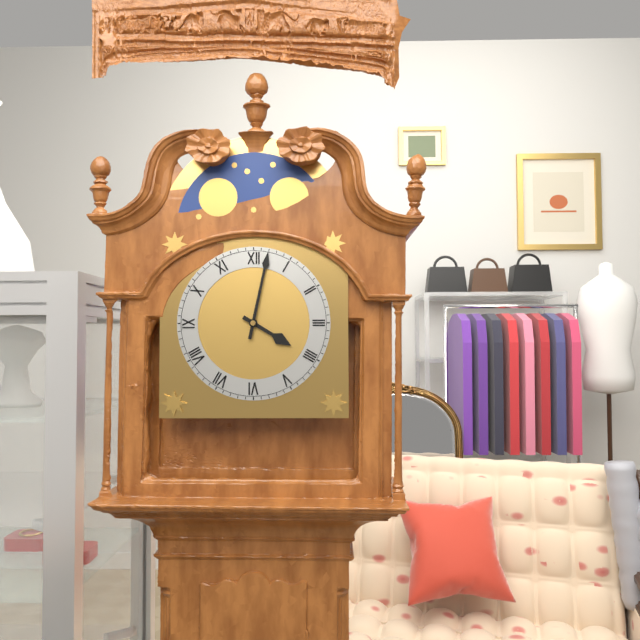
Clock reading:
**4:02**
